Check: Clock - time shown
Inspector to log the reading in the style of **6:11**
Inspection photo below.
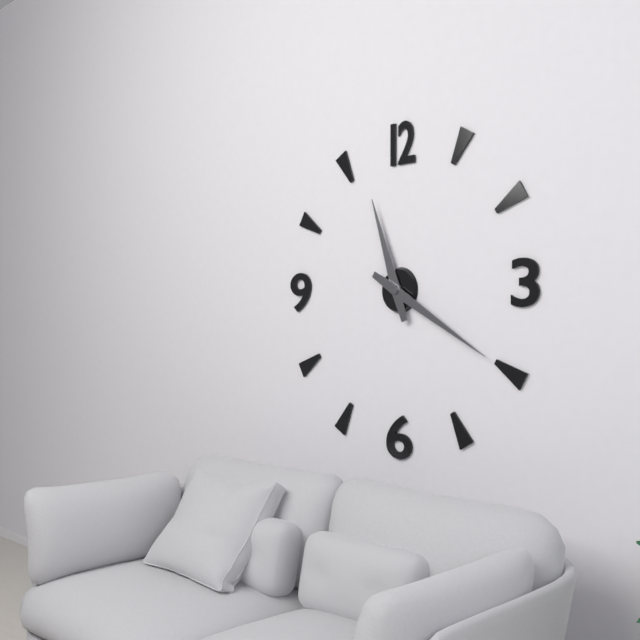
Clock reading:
**11:20**
